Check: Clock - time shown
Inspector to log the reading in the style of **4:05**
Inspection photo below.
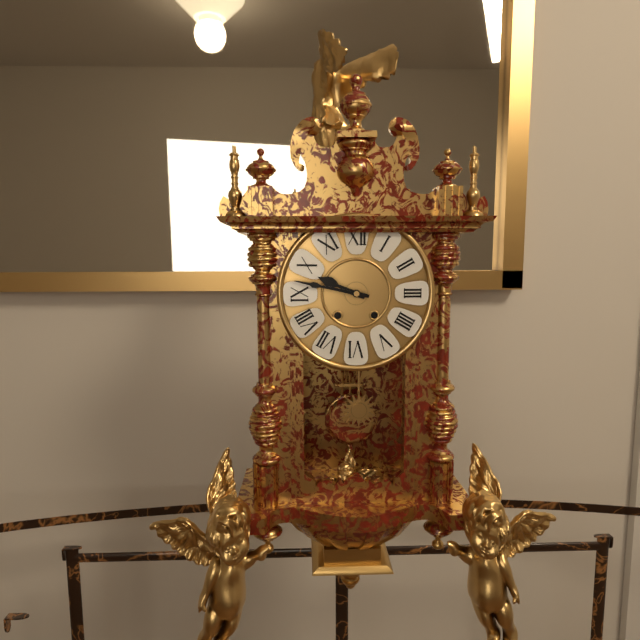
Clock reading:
**9:47**
